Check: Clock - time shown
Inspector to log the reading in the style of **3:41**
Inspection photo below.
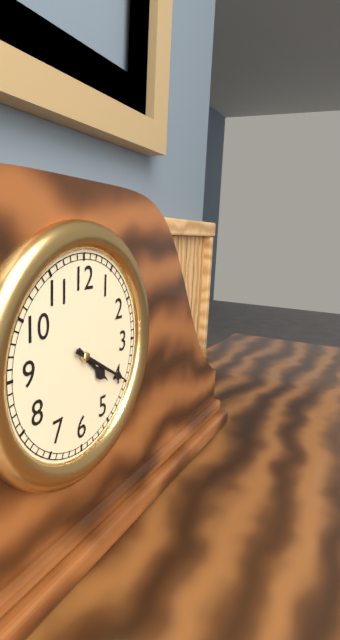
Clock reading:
**4:20**
